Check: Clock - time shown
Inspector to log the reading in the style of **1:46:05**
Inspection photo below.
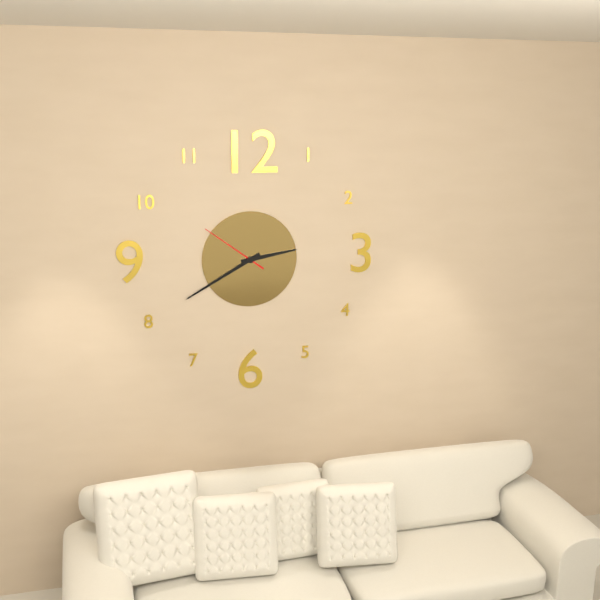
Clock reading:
**2:40:51**
